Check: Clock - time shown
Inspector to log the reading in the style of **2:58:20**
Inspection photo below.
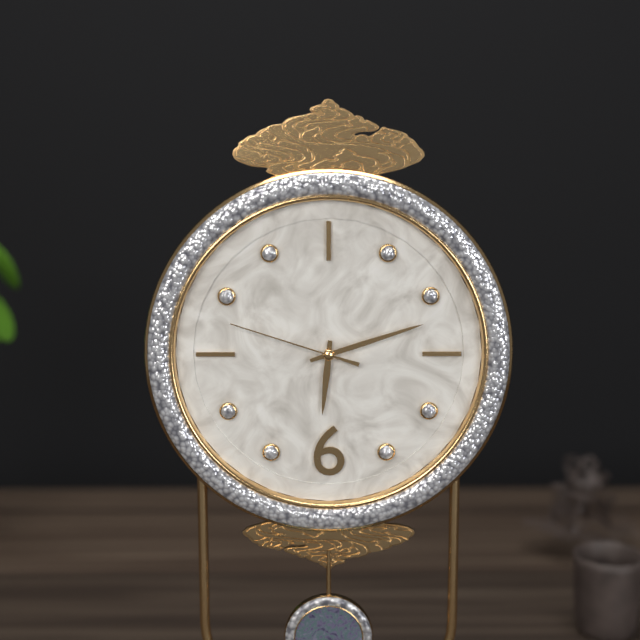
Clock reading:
**6:12:48**
